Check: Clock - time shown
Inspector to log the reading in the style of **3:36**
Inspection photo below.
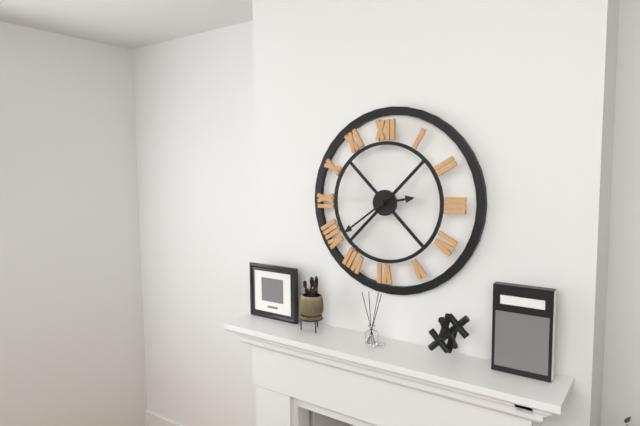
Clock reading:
**2:39**
